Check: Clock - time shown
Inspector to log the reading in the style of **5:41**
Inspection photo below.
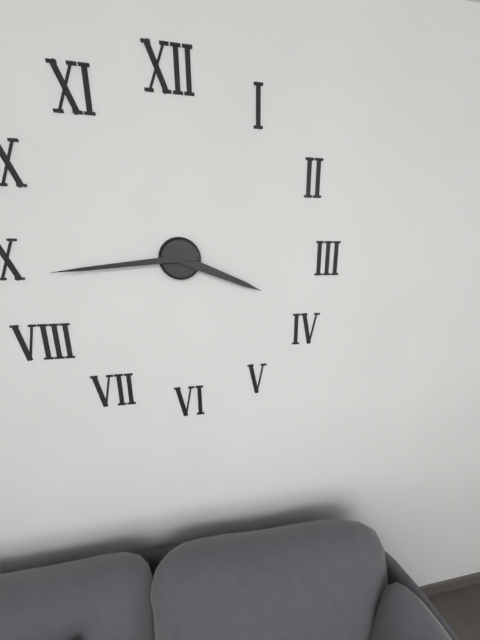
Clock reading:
**3:44**
